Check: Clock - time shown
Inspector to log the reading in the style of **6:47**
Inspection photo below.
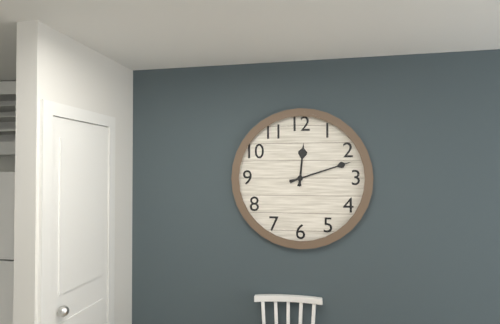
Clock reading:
**12:12**
